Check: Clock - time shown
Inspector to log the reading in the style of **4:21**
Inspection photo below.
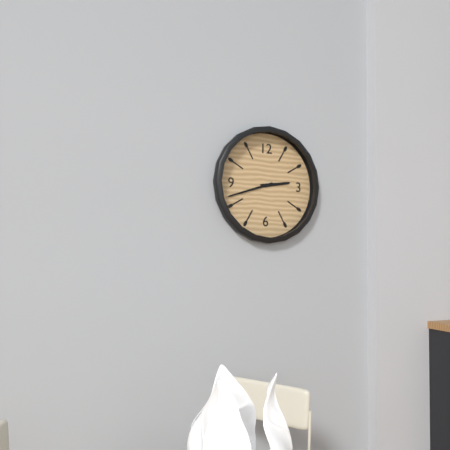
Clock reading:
**2:42**
